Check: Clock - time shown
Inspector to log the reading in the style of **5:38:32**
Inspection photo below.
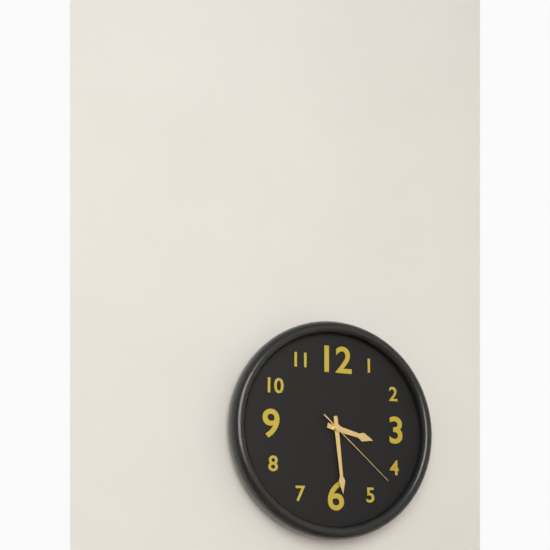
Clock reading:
**3:29:22**
